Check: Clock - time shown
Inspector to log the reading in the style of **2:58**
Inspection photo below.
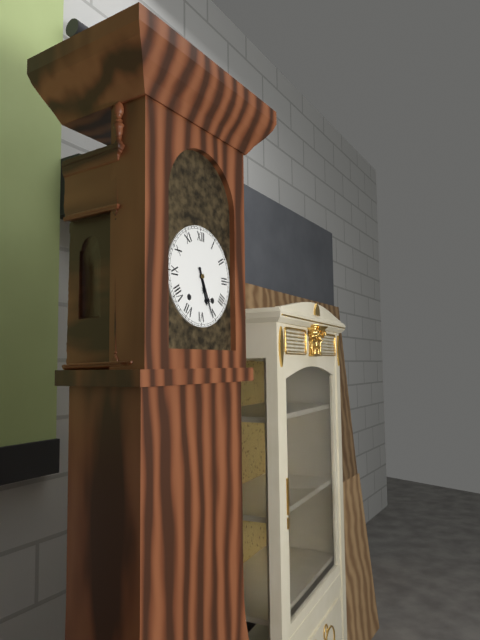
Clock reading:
**5:26**
